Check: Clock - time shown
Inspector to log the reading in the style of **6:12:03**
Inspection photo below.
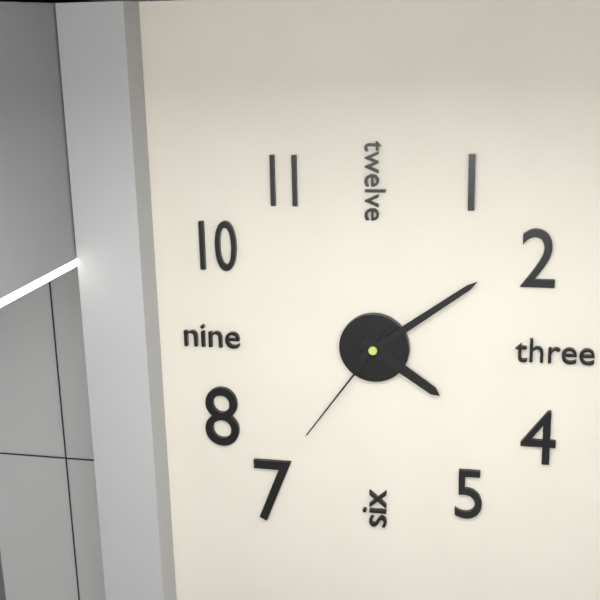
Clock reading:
**4:09:36**
